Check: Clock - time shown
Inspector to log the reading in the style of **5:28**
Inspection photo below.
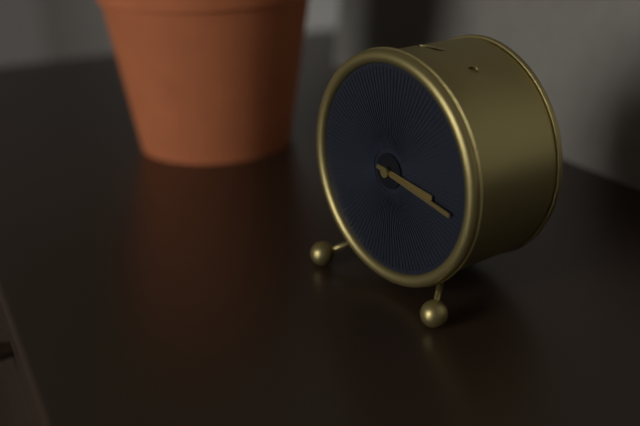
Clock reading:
**3:17**
